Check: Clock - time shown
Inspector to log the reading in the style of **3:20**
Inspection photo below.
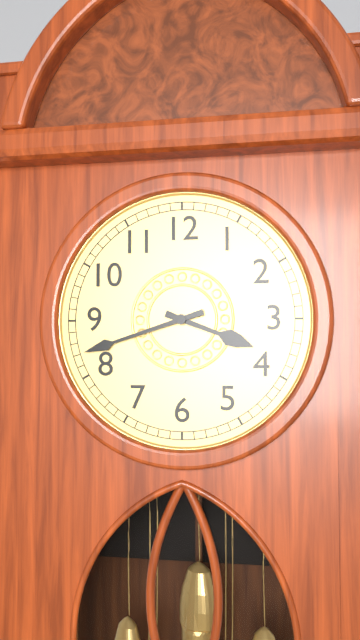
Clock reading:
**3:42**
